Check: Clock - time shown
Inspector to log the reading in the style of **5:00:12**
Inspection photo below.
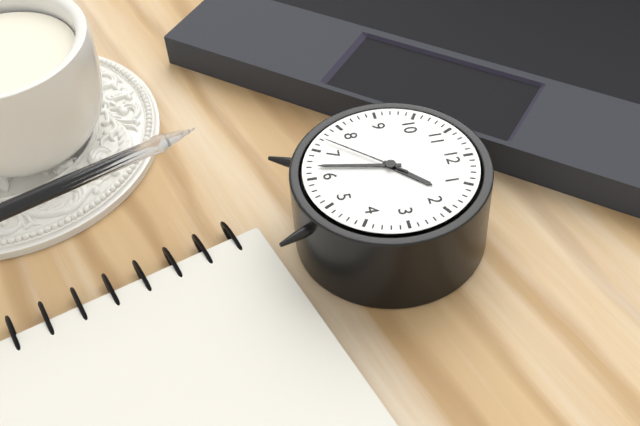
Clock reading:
**1:32:37**
